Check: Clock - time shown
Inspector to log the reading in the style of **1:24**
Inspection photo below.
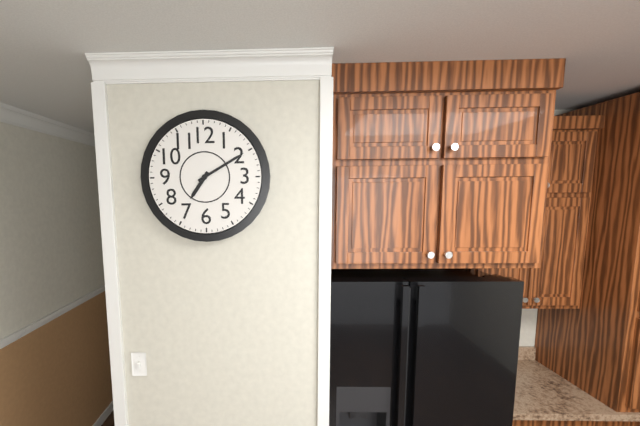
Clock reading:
**7:10**
